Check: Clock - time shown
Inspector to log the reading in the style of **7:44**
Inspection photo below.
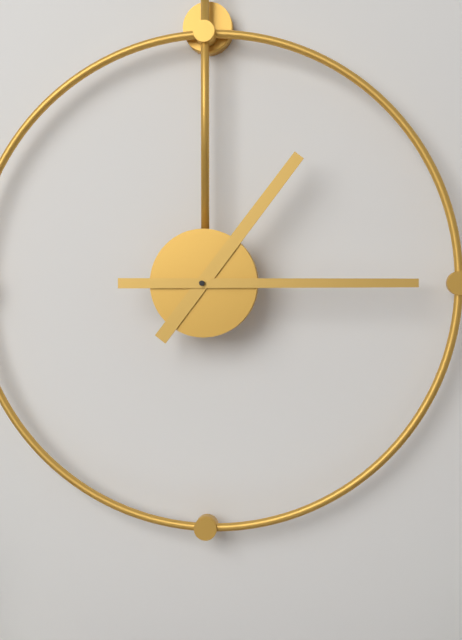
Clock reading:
**1:15**
